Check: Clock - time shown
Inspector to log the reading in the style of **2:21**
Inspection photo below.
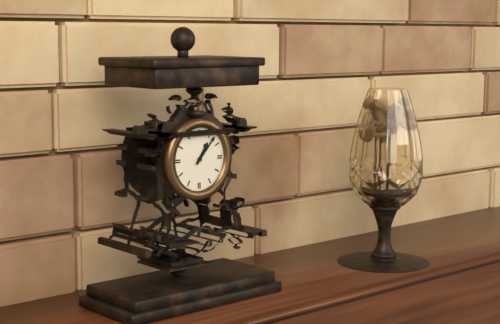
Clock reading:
**1:07**
